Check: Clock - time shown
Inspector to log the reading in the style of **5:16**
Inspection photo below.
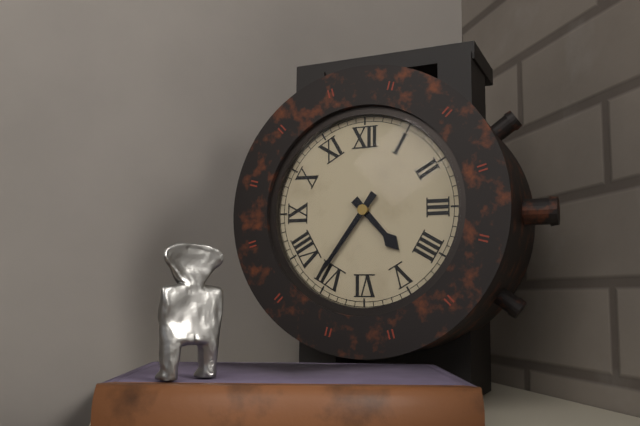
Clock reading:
**4:36**
